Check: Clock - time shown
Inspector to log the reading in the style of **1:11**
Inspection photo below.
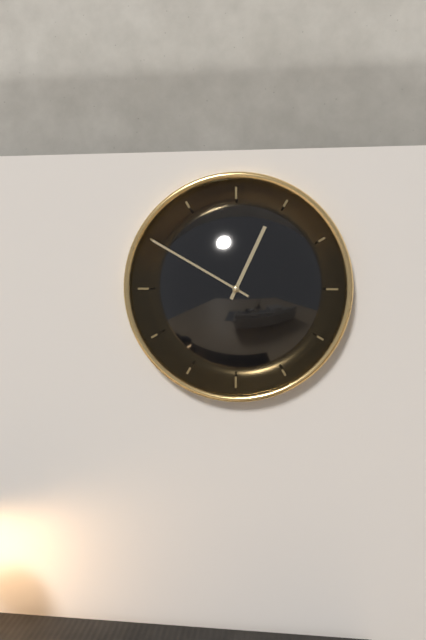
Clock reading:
**12:50**
